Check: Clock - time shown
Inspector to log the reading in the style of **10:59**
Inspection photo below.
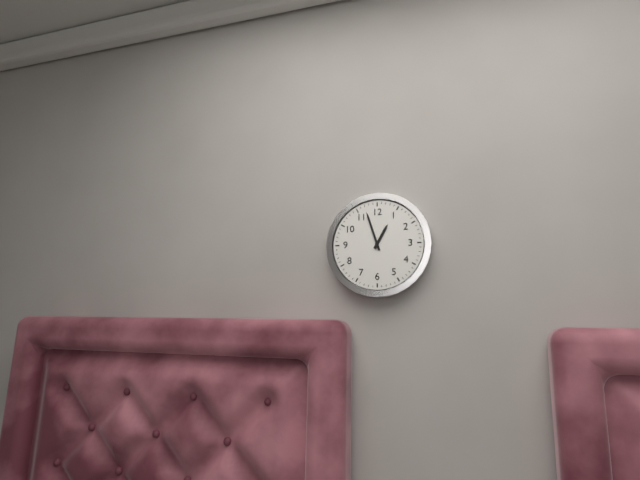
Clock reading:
**12:57**
